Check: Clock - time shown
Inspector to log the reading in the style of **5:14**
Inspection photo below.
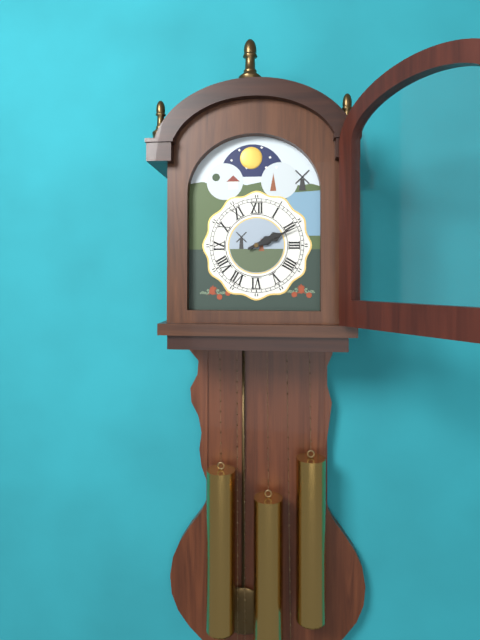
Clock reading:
**2:11**
